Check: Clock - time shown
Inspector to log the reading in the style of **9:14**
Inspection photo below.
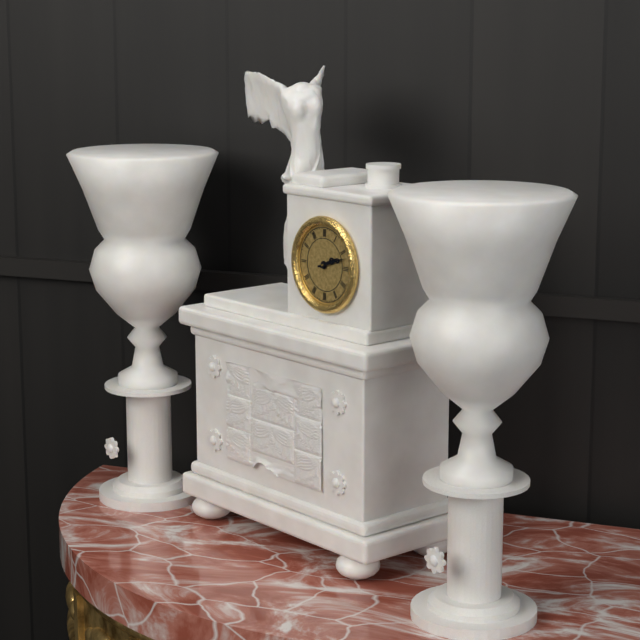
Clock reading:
**2:12**
